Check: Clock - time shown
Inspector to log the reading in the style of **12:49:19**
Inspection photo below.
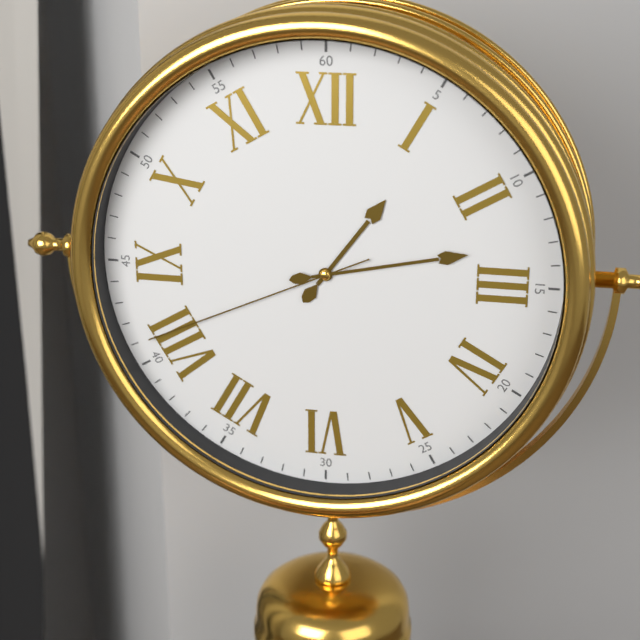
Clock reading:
**1:13:41**
